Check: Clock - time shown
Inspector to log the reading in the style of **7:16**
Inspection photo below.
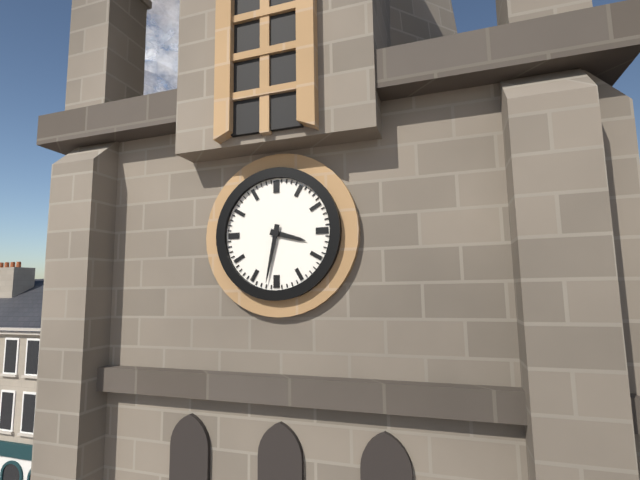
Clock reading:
**3:32**
